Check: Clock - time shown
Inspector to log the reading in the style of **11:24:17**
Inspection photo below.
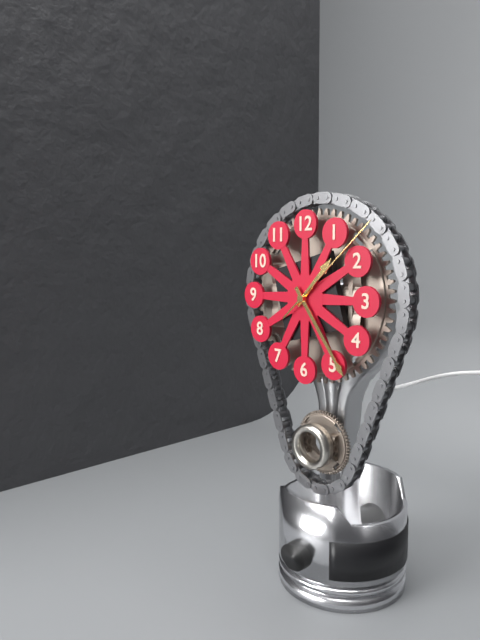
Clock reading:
**1:24:08**
